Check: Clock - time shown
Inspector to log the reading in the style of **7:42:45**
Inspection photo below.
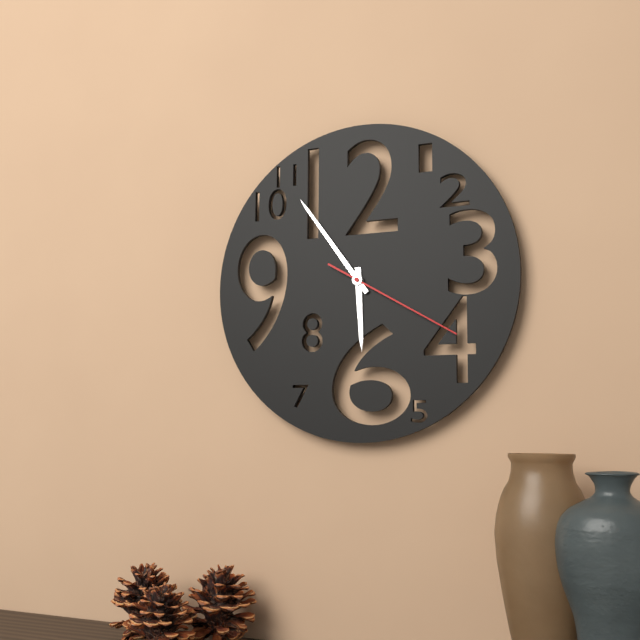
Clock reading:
**5:54:20**
